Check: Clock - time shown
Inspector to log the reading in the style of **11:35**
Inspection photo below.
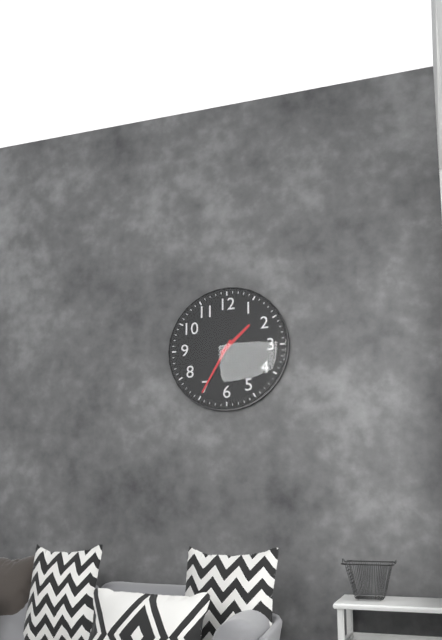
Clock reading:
**1:35**
